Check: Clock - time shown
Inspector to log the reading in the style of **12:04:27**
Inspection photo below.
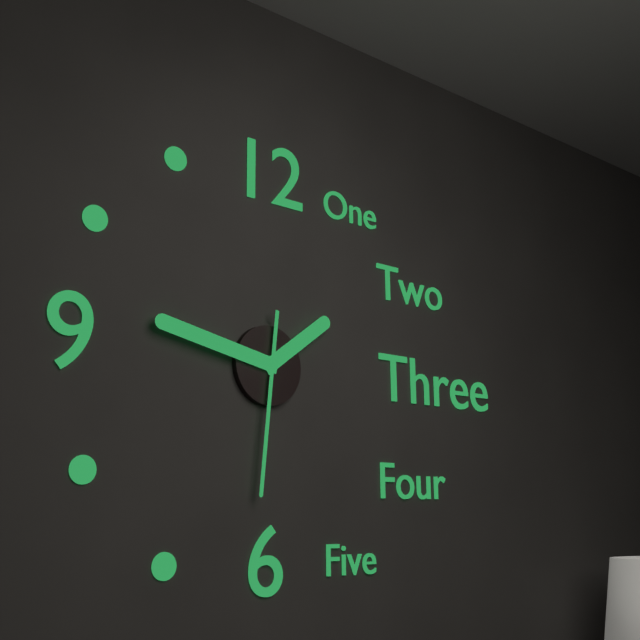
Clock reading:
**1:47:31**
